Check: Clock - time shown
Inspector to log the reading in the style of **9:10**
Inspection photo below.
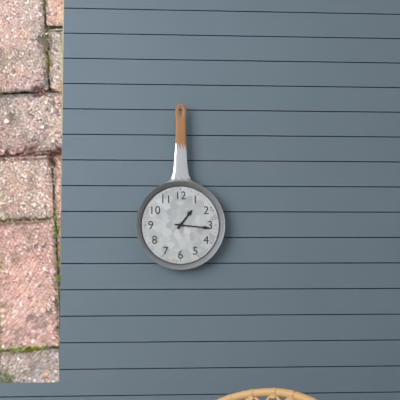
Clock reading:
**1:16**
